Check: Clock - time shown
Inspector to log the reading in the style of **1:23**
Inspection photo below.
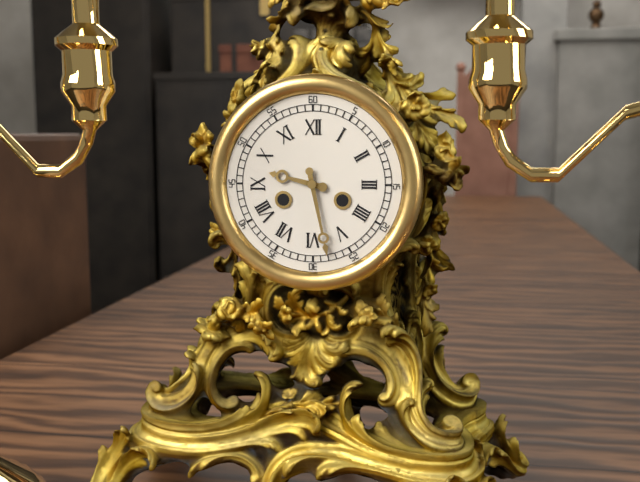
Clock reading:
**9:28**
